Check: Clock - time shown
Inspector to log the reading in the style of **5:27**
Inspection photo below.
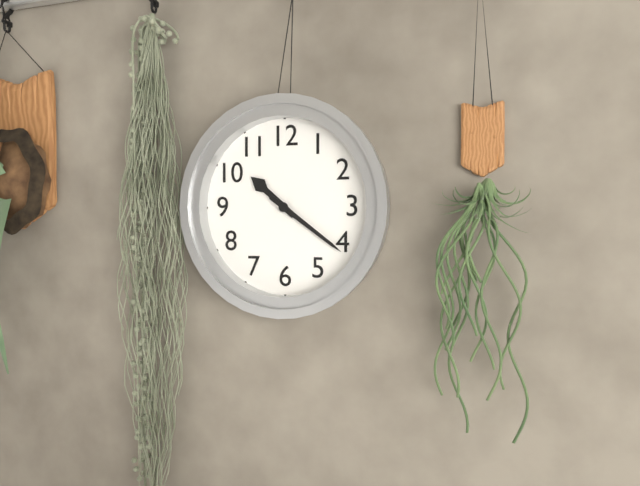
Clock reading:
**10:21**
